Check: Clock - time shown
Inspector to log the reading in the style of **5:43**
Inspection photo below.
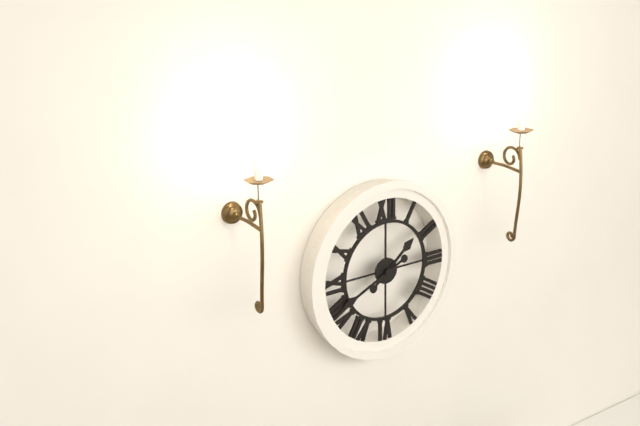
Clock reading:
**1:41**
